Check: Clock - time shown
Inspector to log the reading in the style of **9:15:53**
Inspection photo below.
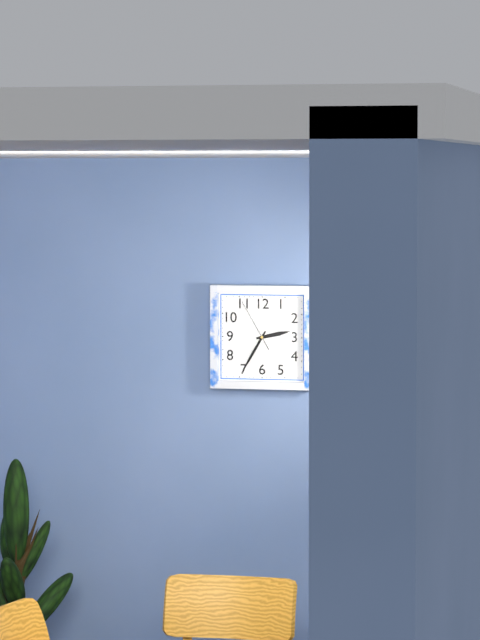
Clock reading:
**2:35:55**
